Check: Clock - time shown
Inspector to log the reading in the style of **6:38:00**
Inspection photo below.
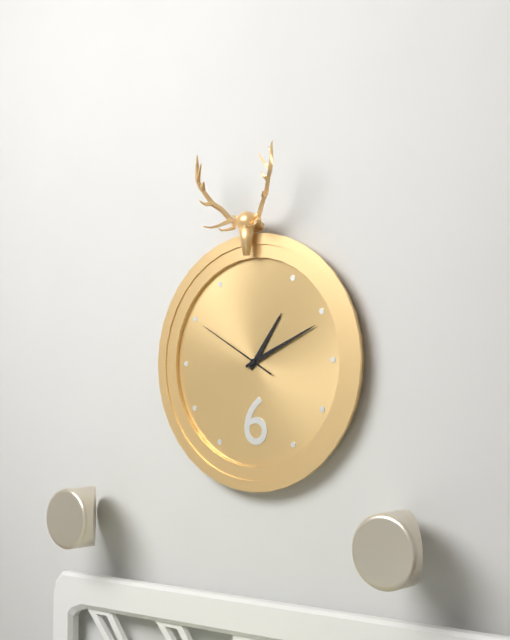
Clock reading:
**1:11:50**
